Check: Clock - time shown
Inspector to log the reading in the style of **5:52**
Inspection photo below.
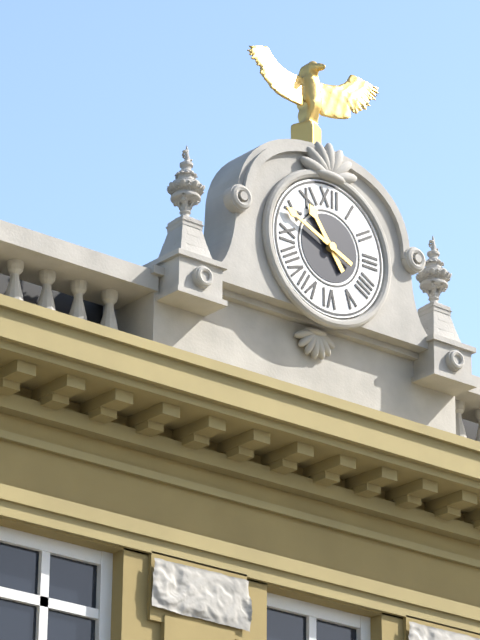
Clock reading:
**10:49**
